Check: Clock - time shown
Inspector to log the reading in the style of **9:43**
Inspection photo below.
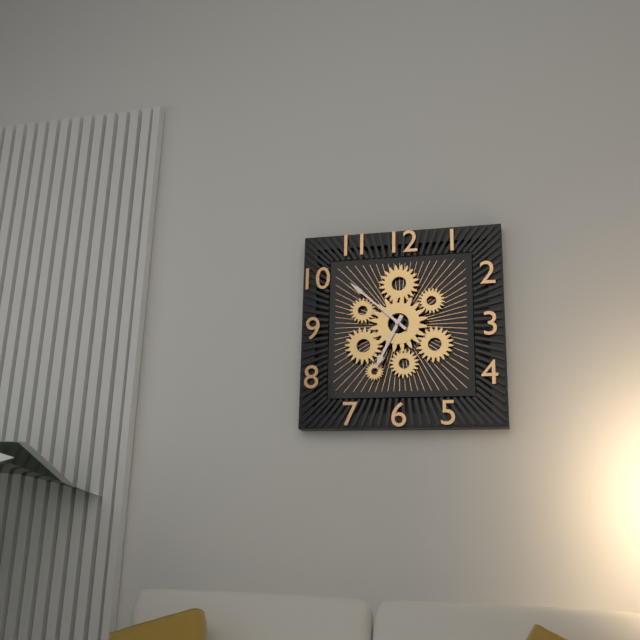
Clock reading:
**6:52**
